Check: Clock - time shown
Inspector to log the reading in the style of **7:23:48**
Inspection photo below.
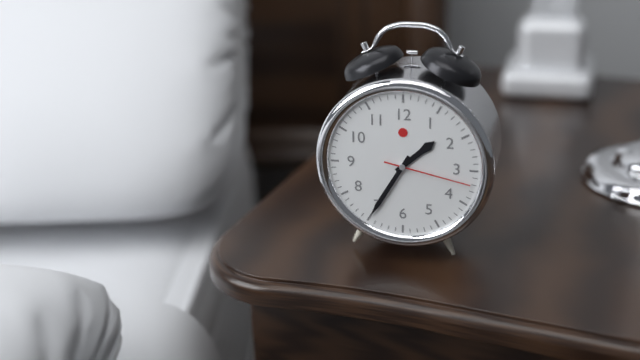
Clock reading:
**1:35:17**
